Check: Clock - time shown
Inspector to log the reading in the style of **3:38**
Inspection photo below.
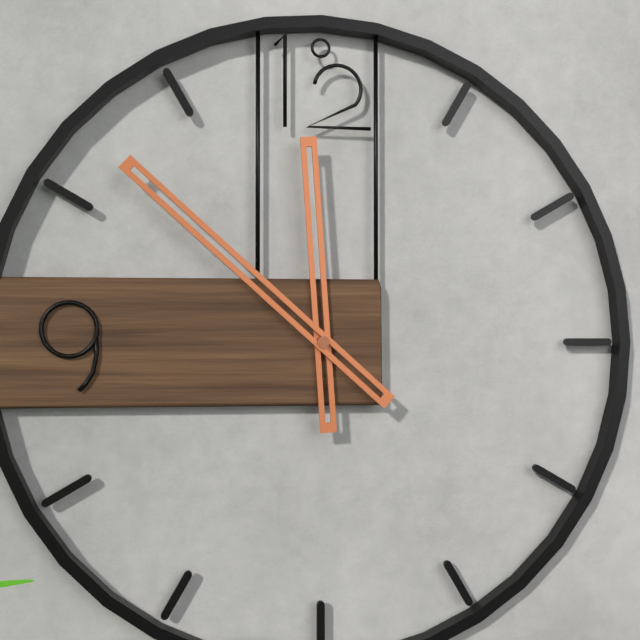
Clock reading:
**11:52**
